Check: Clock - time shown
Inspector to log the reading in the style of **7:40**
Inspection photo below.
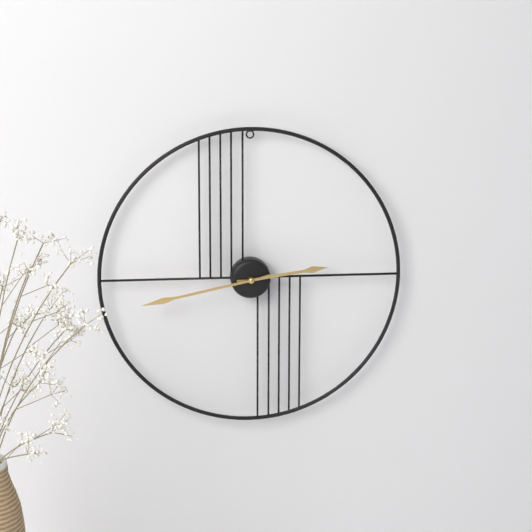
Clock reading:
**2:43**
